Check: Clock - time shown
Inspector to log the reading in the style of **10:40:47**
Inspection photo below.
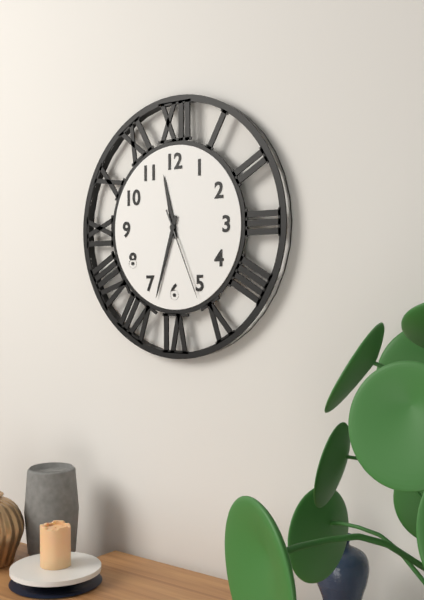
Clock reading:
**11:33:26**
